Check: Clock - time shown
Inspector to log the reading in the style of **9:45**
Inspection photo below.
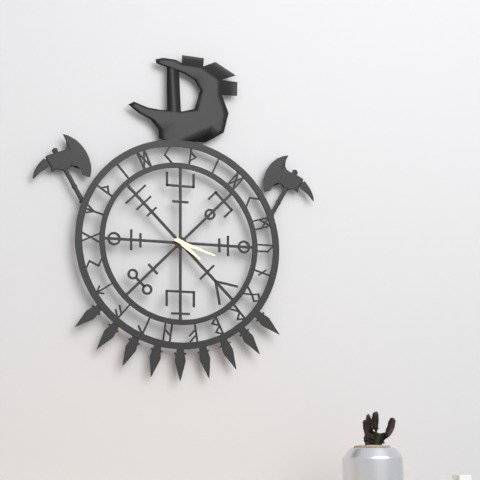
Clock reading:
**4:18**
